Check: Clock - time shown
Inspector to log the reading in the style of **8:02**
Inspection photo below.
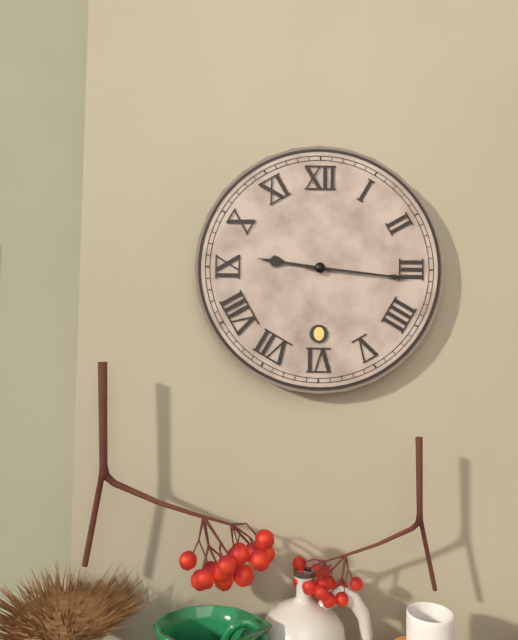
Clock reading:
**9:16**
